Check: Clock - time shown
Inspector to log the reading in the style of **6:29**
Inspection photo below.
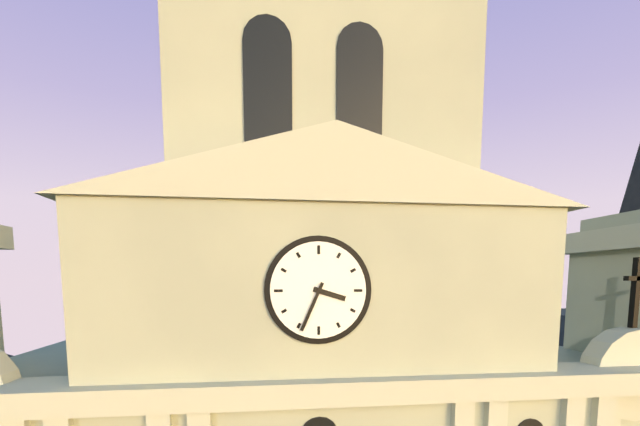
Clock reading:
**3:34**
